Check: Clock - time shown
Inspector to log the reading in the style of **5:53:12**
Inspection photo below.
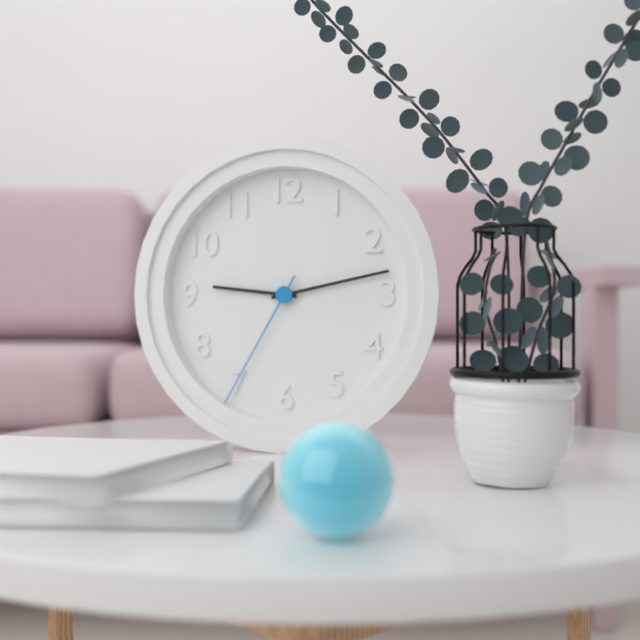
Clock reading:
**9:13:35**
